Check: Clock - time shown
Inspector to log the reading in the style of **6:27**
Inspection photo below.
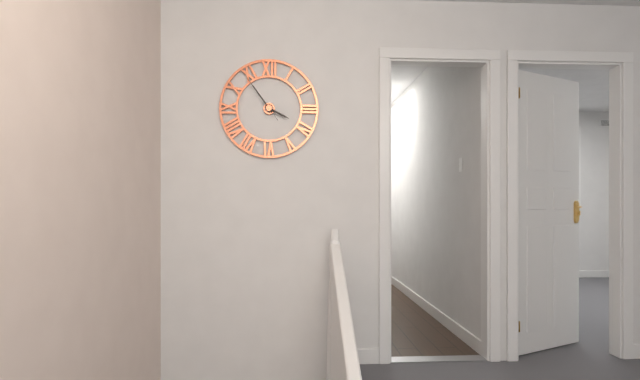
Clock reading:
**3:54**
